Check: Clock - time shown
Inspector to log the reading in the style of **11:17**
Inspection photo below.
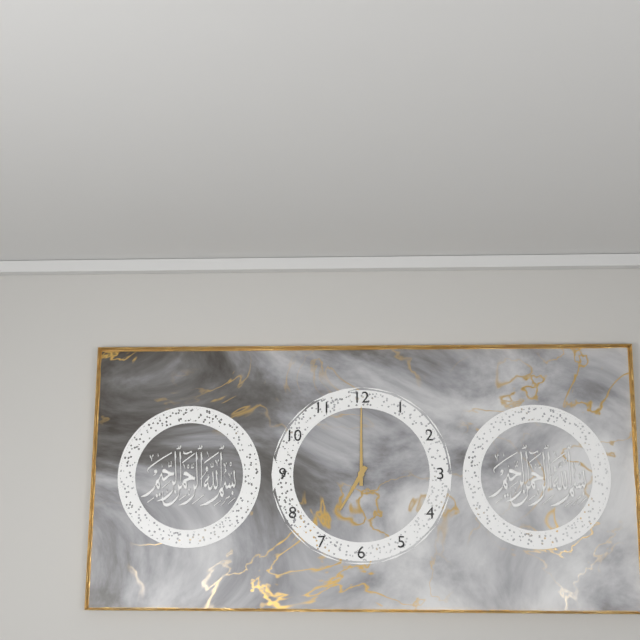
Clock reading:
**7:00**
